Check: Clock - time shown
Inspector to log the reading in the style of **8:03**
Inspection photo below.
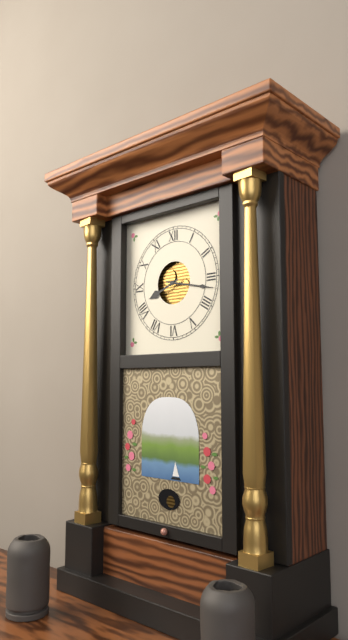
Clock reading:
**8:17**
